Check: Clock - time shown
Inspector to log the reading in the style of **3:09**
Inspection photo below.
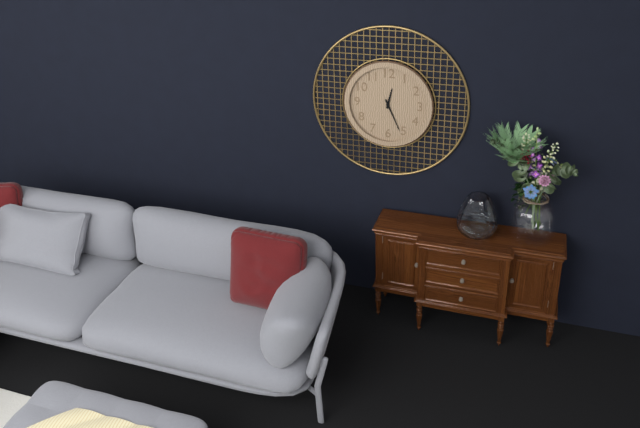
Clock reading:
**12:26**
